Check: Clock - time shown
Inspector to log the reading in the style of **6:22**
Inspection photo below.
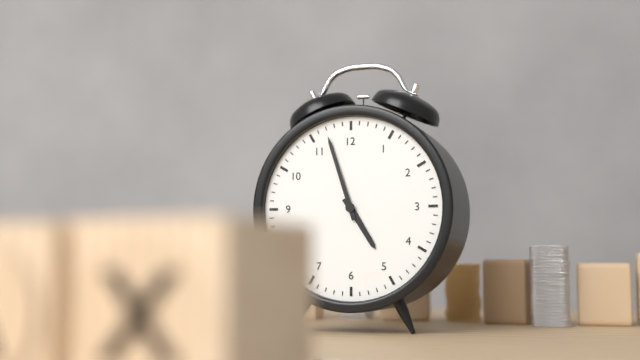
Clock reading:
**4:57**
